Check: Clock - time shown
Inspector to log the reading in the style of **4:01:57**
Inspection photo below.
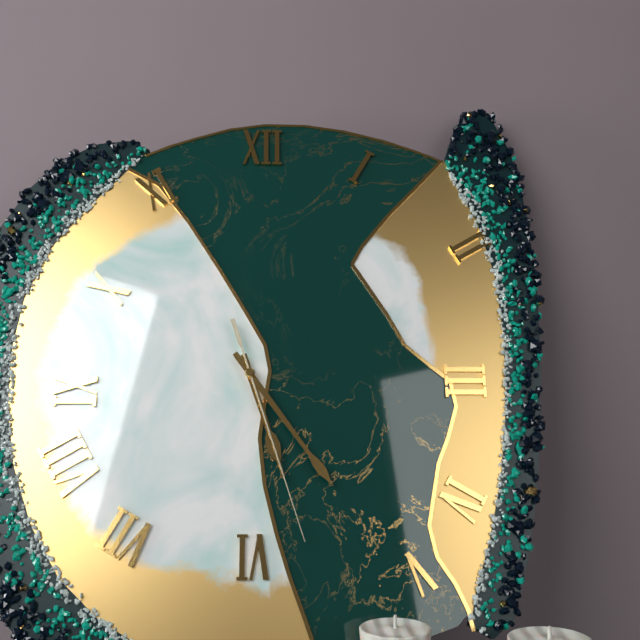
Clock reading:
**5:24:27**
